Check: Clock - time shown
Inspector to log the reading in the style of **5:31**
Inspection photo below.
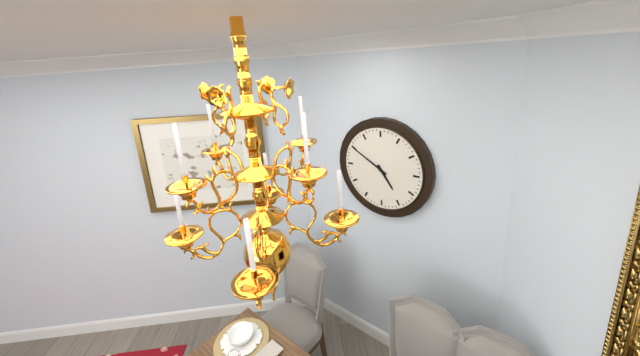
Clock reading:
**4:50**
